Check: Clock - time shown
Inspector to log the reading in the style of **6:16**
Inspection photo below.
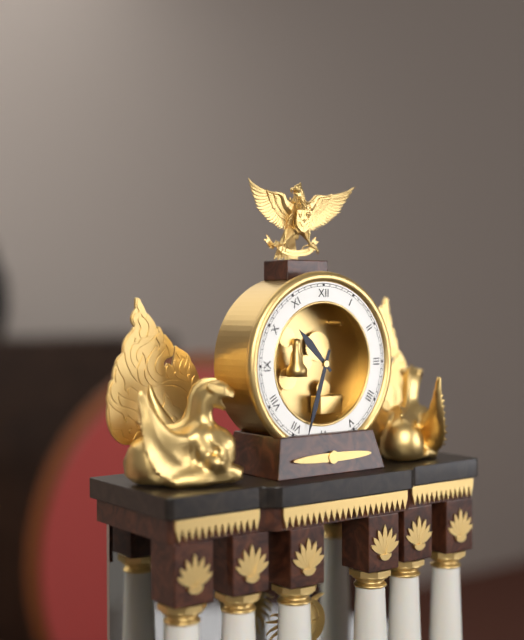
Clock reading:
**10:33**
